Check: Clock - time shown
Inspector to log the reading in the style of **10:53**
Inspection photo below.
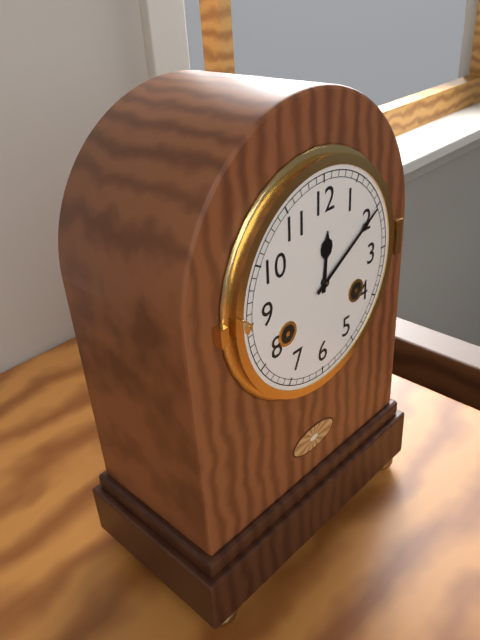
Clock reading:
**12:10**
